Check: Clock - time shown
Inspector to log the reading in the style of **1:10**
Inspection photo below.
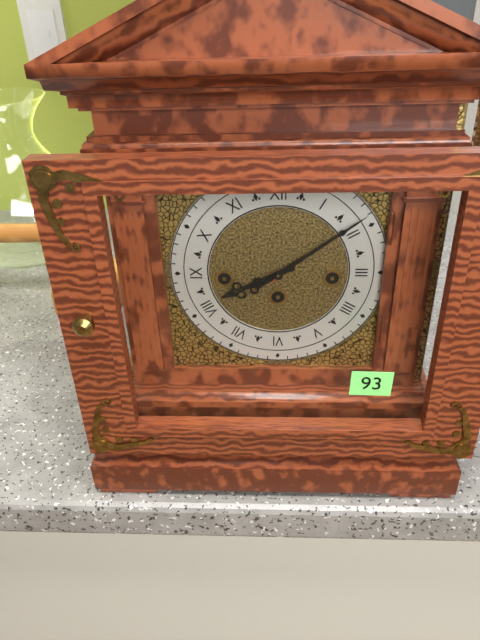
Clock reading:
**8:09**
